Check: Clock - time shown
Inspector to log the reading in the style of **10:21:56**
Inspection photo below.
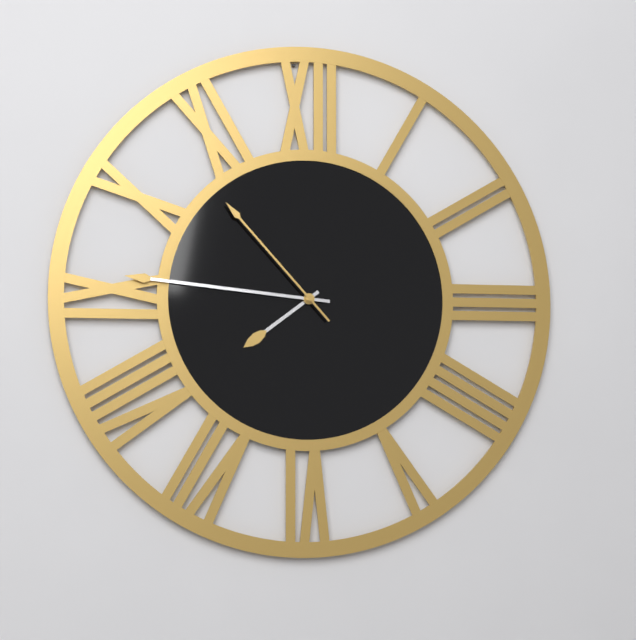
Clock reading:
**7:46:53**
